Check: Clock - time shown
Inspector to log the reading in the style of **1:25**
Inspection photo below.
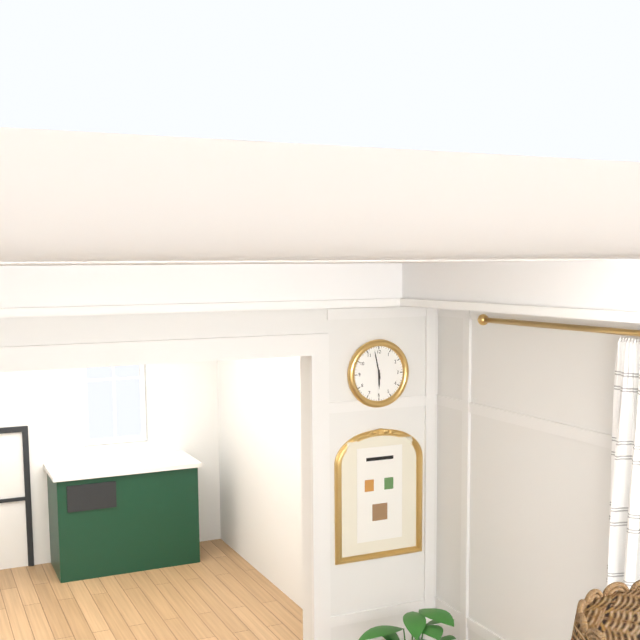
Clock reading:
**5:58**
